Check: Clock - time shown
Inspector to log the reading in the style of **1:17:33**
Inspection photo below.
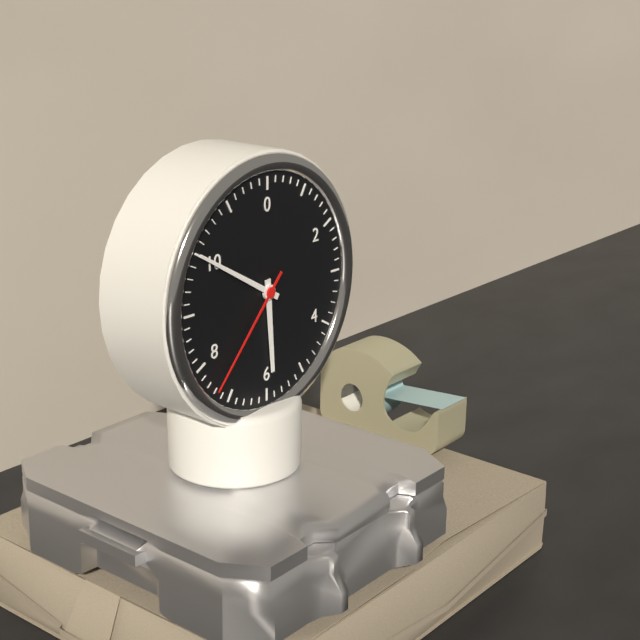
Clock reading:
**5:50:37**
